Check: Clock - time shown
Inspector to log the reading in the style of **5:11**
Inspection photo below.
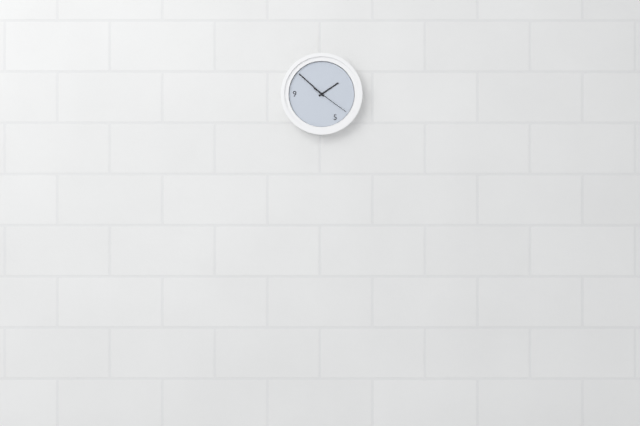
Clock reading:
**1:52**
